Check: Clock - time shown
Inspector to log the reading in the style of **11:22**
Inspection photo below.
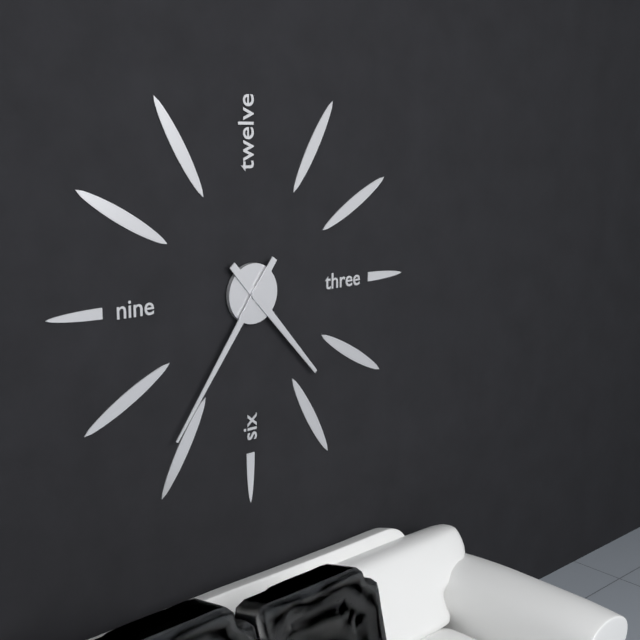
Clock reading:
**4:36**
